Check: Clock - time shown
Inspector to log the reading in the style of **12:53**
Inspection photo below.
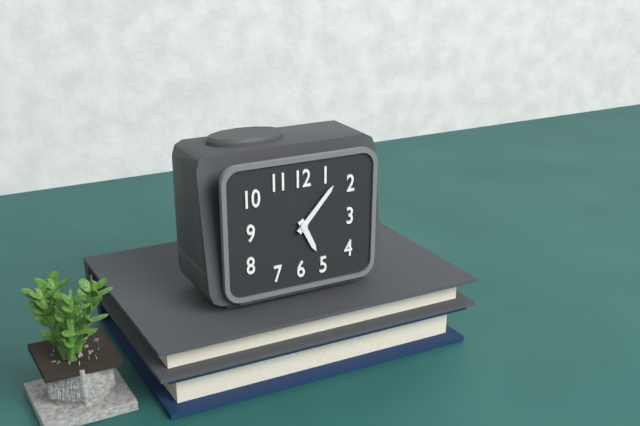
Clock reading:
**5:07**
